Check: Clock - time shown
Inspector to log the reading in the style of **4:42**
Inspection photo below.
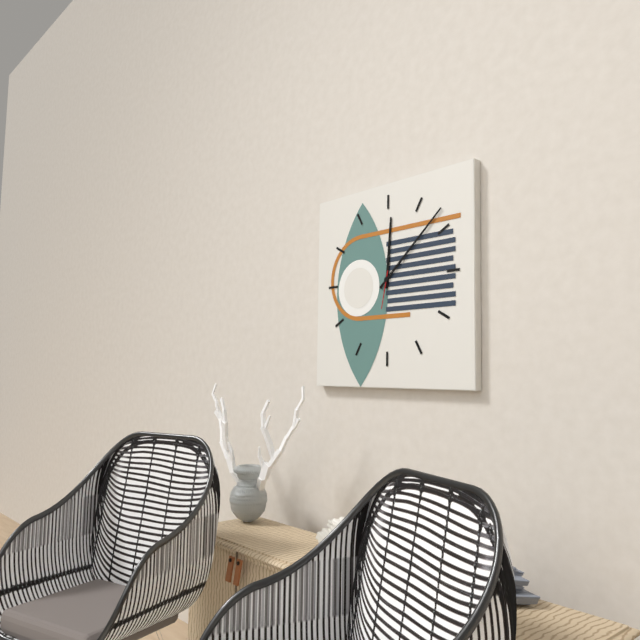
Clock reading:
**12:08**
